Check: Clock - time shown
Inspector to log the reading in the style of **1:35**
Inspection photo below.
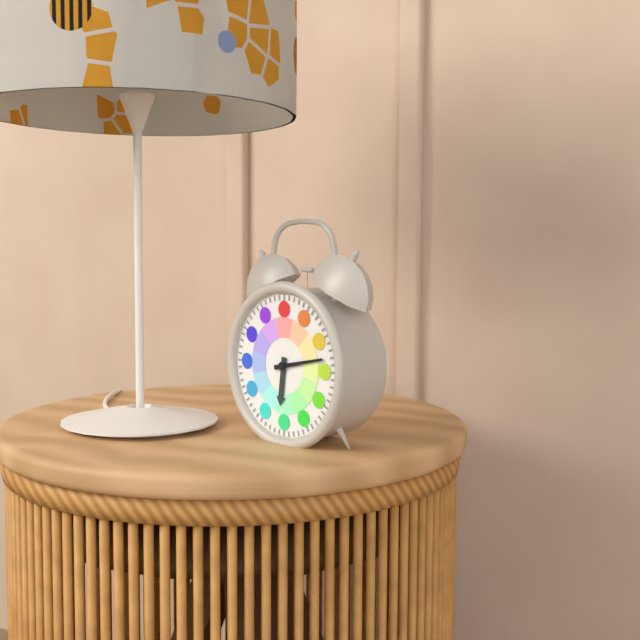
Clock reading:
**6:13**
